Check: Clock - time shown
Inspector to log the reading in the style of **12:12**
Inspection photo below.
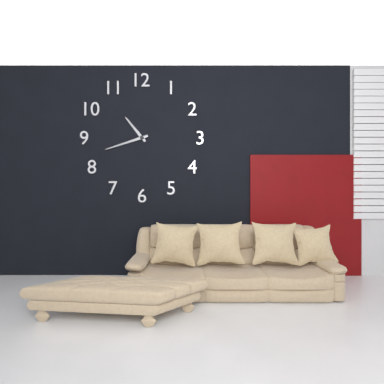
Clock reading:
**10:42**
